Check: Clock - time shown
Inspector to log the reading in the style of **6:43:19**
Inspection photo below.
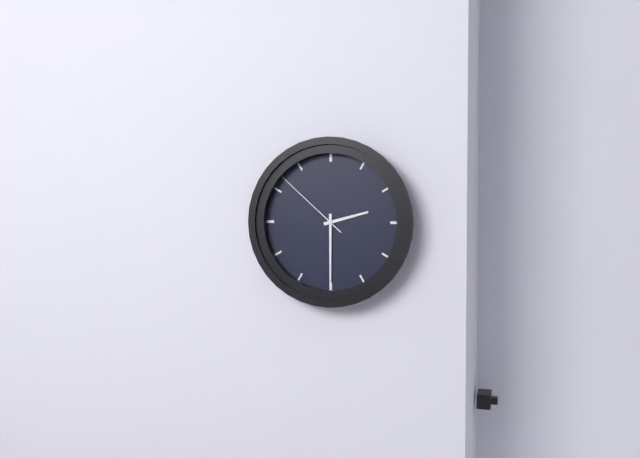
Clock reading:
**2:30:52**
